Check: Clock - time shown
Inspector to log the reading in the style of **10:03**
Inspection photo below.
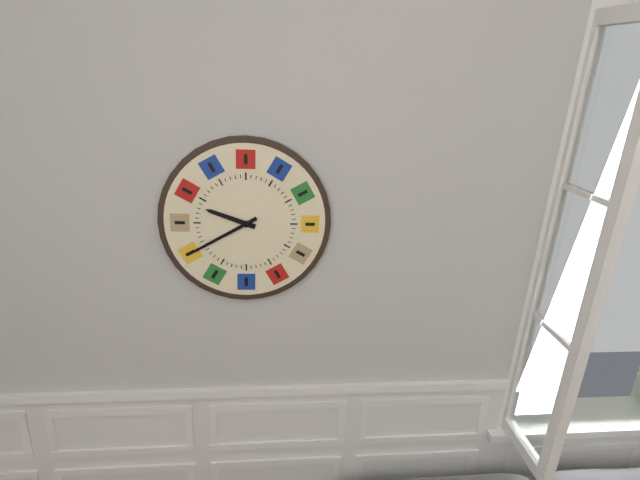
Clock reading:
**9:40**
